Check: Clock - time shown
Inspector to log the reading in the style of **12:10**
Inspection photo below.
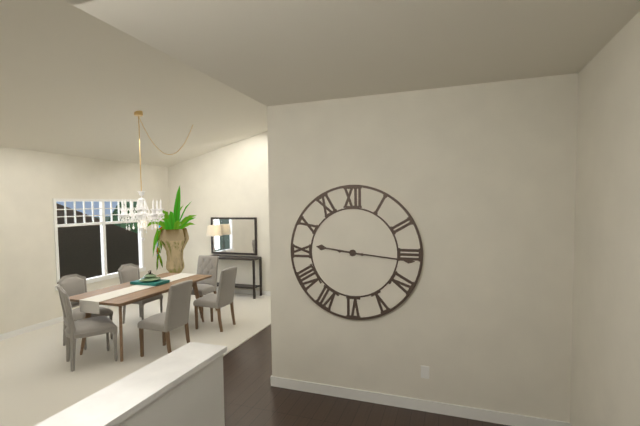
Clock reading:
**9:16**
